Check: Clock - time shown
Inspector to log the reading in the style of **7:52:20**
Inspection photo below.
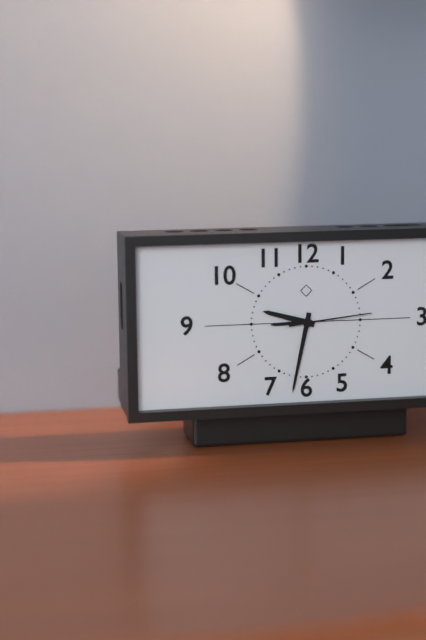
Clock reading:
**9:32:14**
